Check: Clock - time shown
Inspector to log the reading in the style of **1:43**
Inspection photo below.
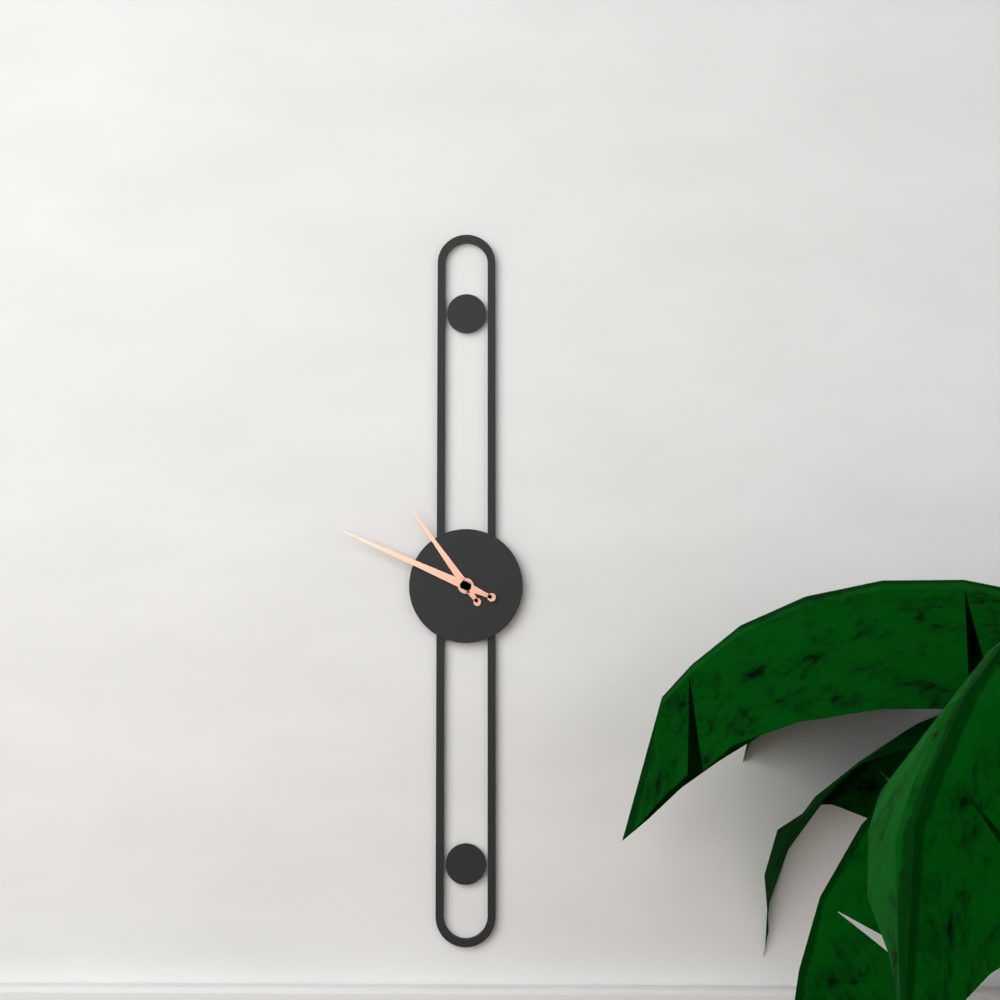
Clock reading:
**10:49**
